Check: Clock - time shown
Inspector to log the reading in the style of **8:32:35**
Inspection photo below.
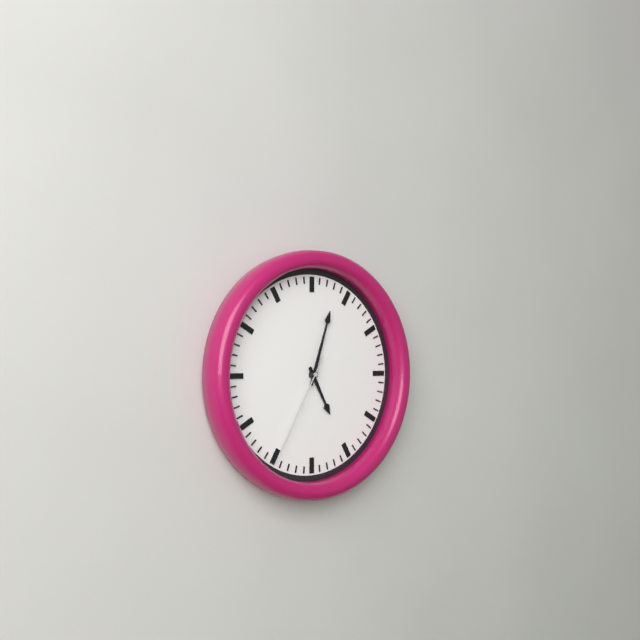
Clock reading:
**5:03:35**
